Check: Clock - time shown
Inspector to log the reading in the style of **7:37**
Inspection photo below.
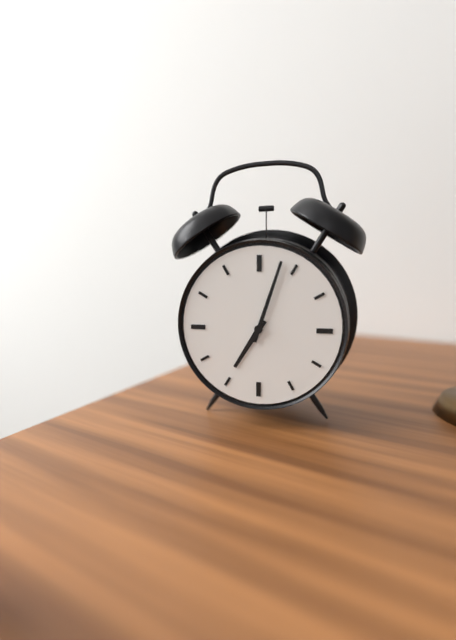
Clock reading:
**7:03**
